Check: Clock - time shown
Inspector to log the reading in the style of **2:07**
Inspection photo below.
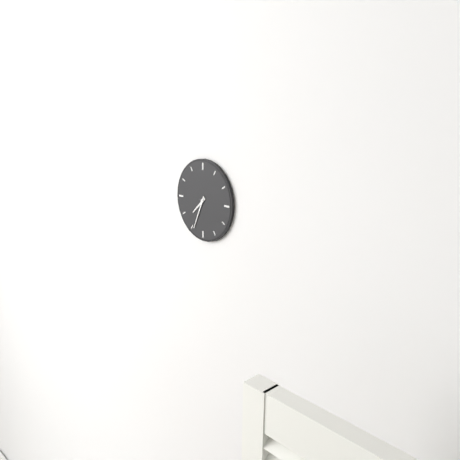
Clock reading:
**7:34**
